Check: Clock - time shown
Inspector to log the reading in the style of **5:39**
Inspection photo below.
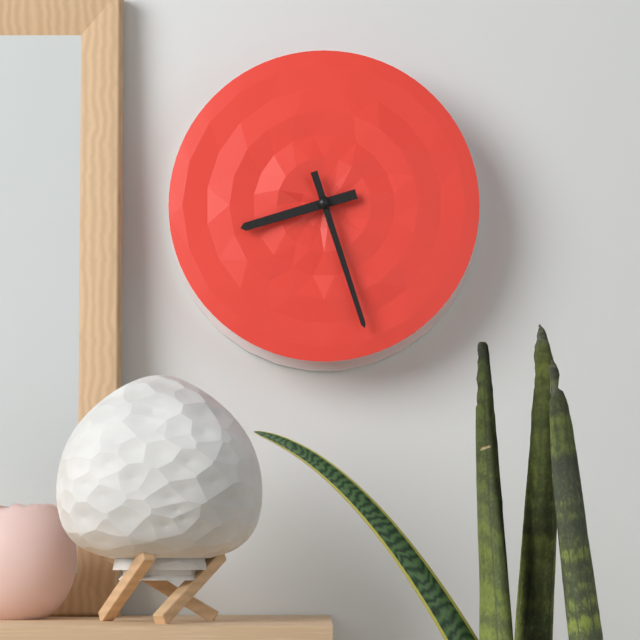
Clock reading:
**8:27**
